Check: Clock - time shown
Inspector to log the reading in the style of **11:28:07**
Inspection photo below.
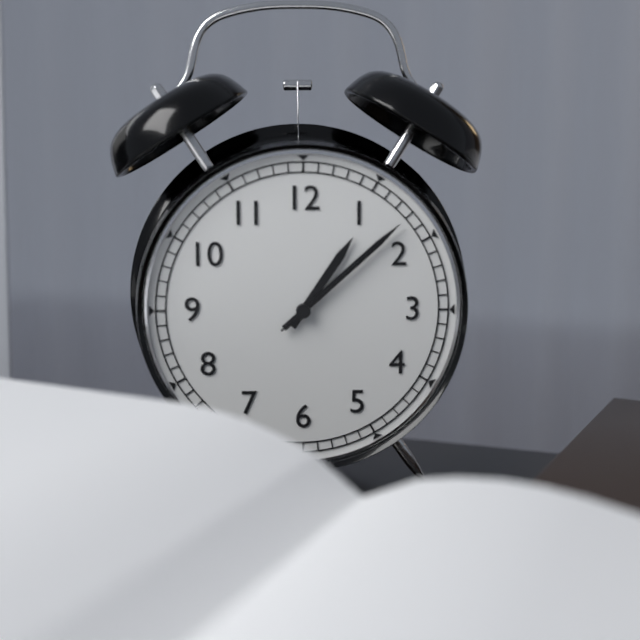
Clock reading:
**1:08:08**
